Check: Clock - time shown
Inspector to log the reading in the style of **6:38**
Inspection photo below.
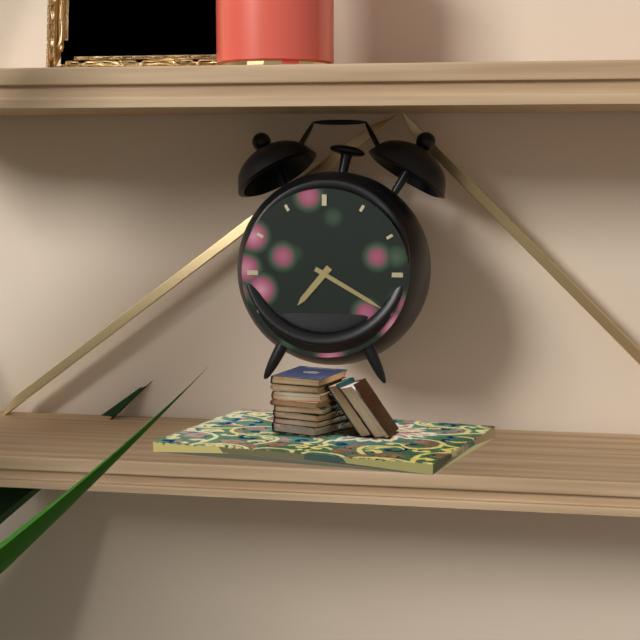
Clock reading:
**7:20**
